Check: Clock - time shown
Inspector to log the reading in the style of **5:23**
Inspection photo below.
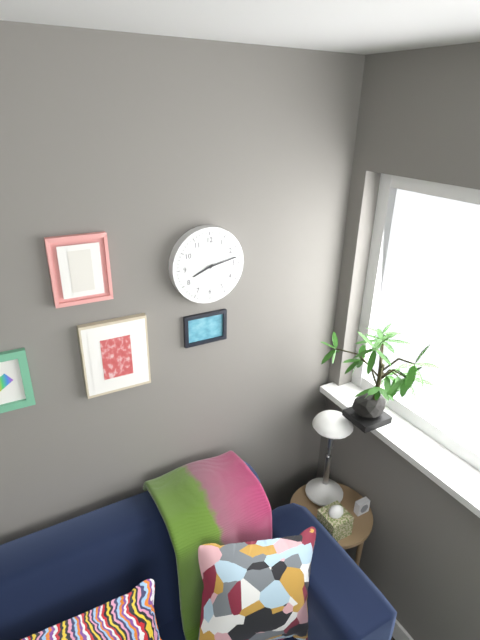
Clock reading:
**8:13**
